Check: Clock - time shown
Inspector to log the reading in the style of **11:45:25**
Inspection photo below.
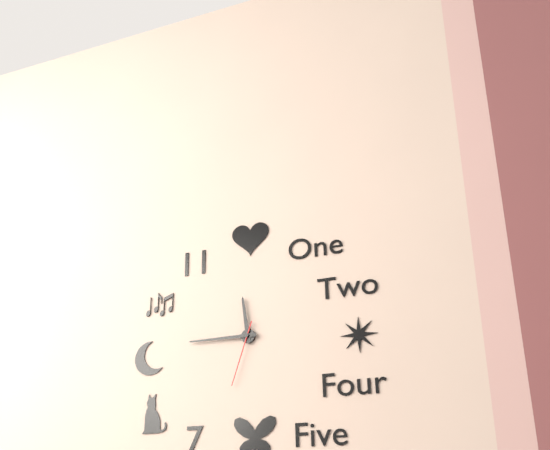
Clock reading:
**11:45:33**
